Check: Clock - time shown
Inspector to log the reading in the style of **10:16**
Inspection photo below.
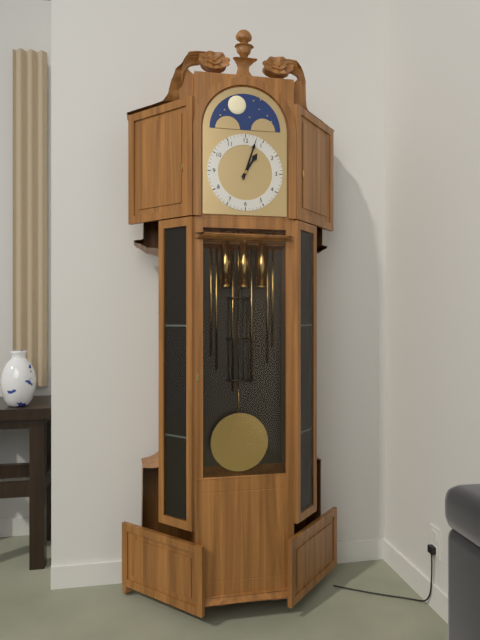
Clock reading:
**1:03**
